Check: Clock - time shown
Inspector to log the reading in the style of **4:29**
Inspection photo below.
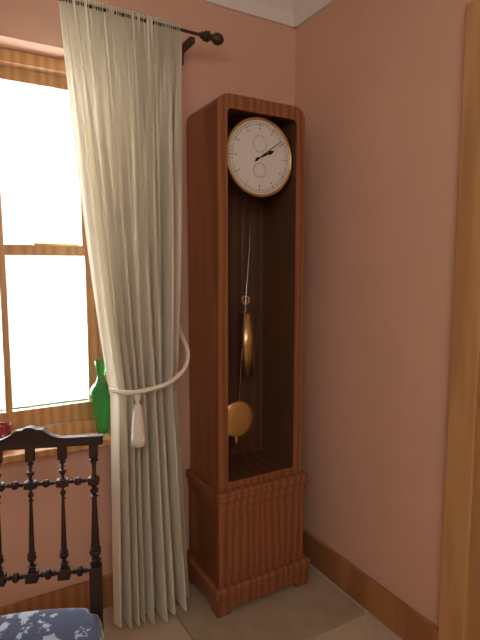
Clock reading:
**2:09**
